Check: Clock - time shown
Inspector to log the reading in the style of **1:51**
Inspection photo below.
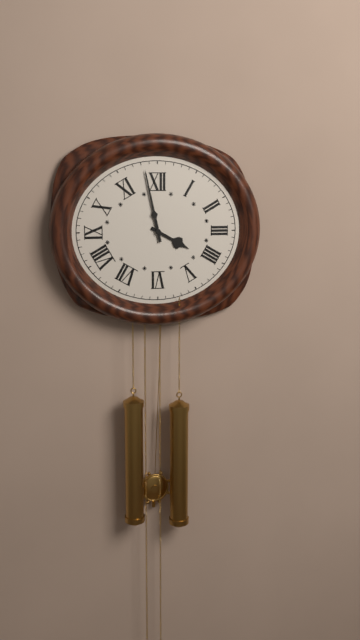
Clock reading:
**3:58**
